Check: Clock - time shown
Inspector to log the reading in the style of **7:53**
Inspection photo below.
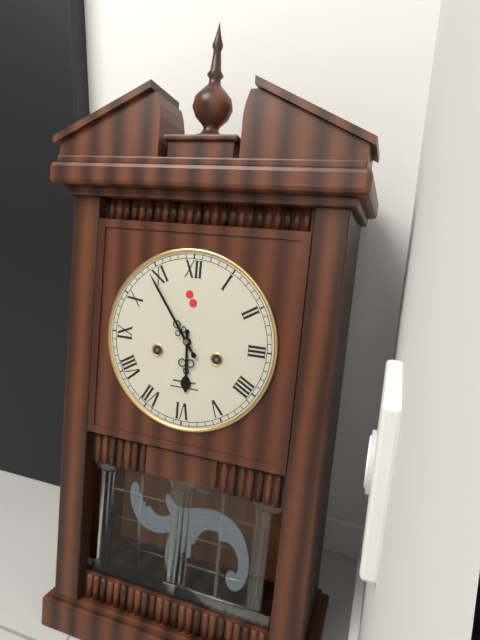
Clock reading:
**5:54**
